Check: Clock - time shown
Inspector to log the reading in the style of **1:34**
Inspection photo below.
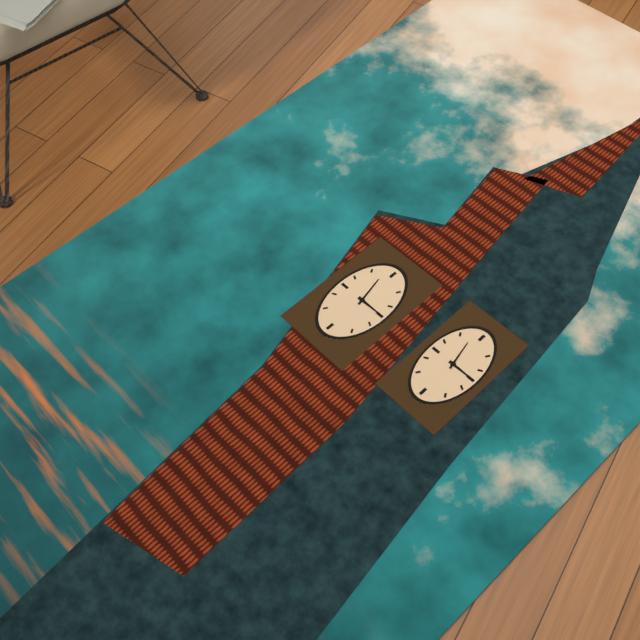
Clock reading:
**2:58**
